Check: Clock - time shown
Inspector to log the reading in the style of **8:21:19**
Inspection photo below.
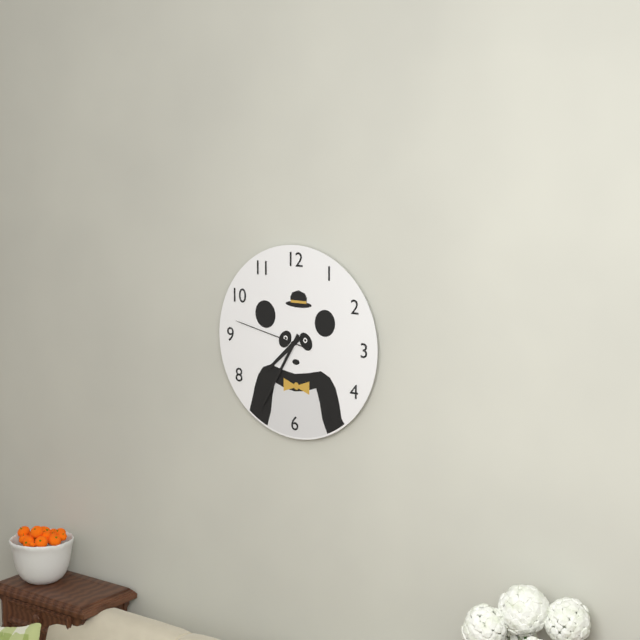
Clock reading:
**7:35:47**
